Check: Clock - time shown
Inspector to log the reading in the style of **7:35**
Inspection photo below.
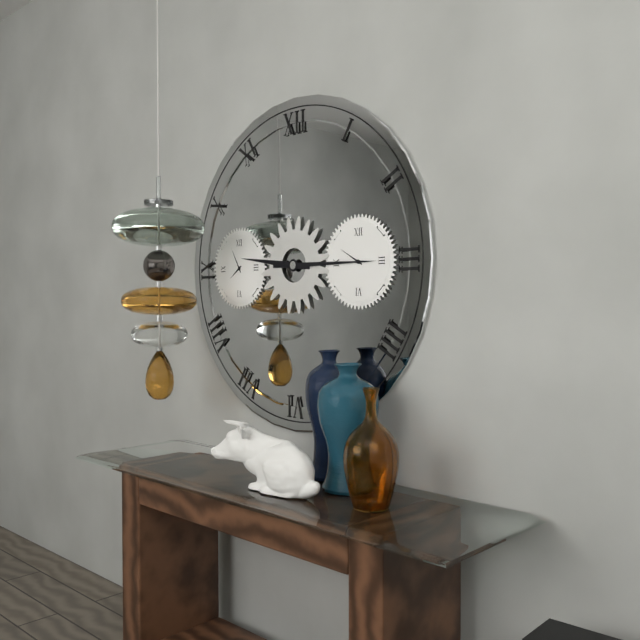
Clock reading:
**9:15**
